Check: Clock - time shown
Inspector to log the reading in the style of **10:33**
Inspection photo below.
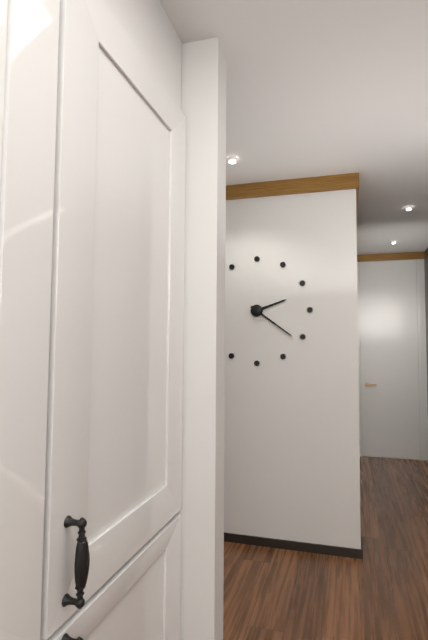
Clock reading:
**2:21**
